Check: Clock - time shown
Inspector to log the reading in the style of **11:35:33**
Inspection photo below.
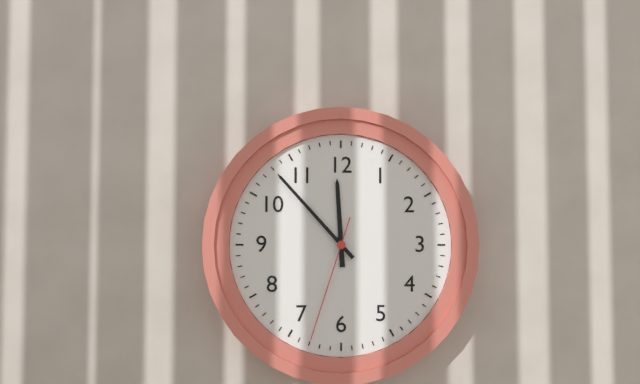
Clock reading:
**11:53:33**
